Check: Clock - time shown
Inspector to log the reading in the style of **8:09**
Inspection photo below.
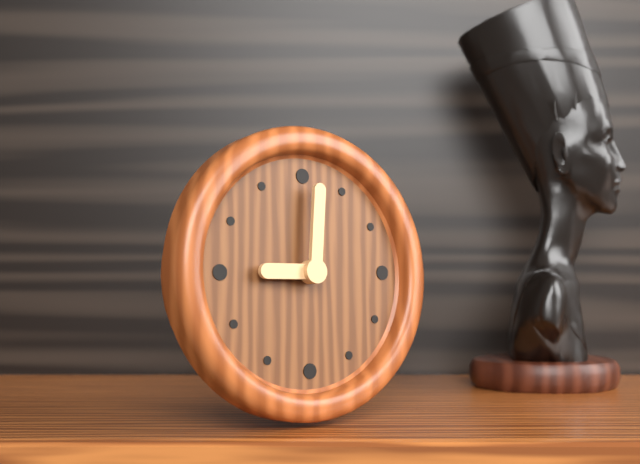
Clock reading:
**9:01**
